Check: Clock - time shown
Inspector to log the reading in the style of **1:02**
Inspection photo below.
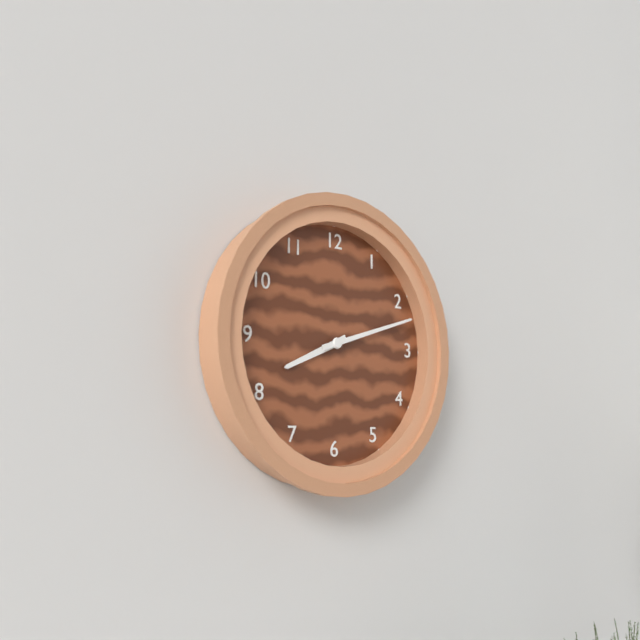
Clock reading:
**8:12**
